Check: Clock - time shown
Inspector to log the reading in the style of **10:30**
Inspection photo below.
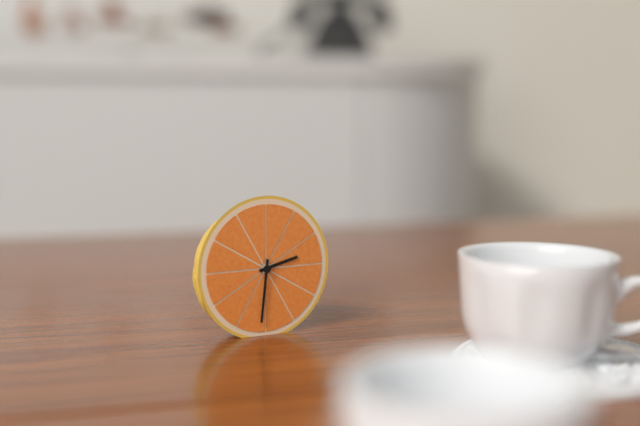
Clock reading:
**2:31**
